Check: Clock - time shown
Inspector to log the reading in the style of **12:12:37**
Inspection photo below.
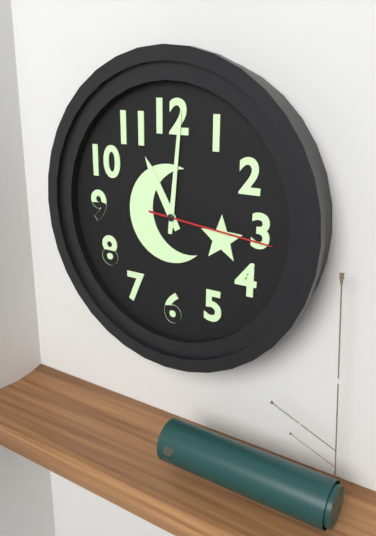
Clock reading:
**11:01:16**
